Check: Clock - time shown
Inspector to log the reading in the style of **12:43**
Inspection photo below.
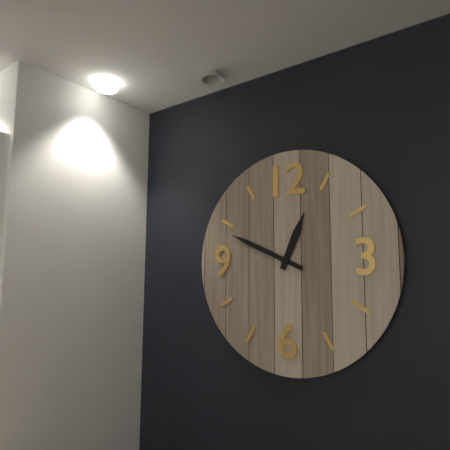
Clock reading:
**12:49**
